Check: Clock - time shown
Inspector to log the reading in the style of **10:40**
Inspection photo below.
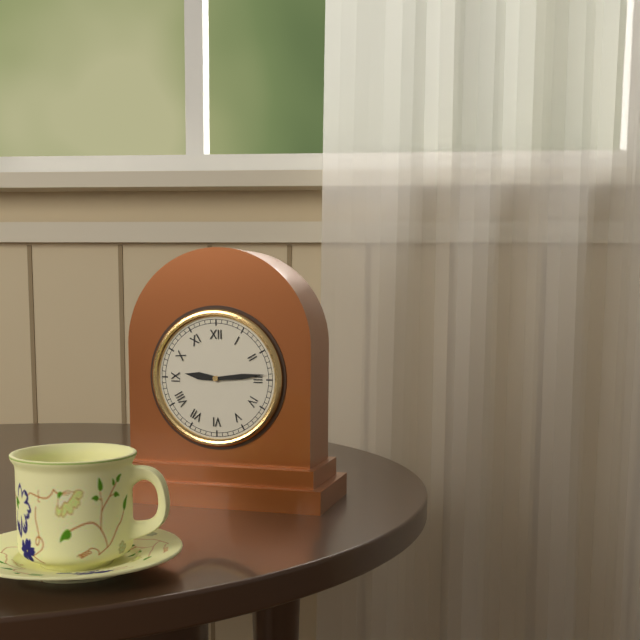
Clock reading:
**9:14**
